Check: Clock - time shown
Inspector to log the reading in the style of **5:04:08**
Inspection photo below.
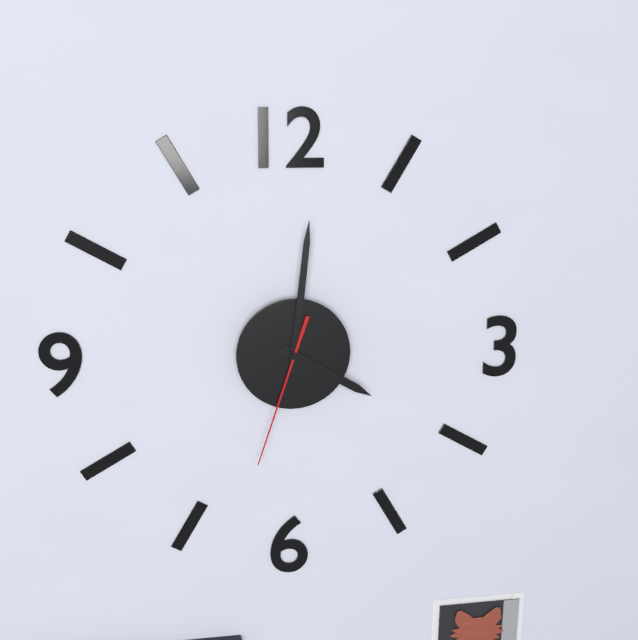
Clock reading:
**4:01:33**
